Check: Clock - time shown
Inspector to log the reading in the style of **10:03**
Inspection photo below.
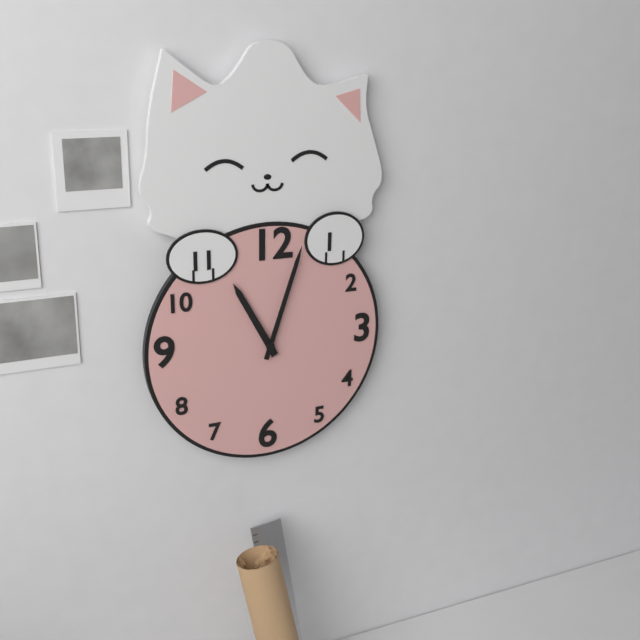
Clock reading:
**11:03**
